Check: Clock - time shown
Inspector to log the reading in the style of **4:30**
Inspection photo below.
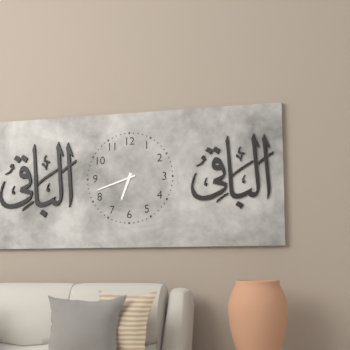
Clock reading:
**6:42**
